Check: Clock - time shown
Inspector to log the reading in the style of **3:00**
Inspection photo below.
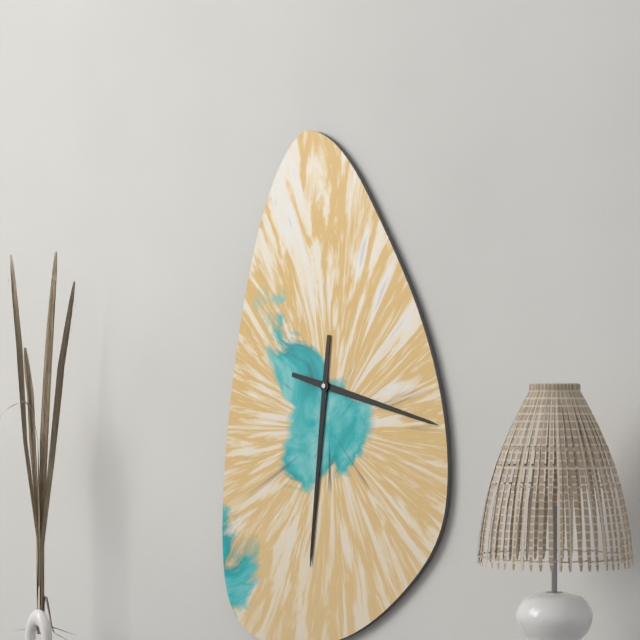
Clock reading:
**3:31**
